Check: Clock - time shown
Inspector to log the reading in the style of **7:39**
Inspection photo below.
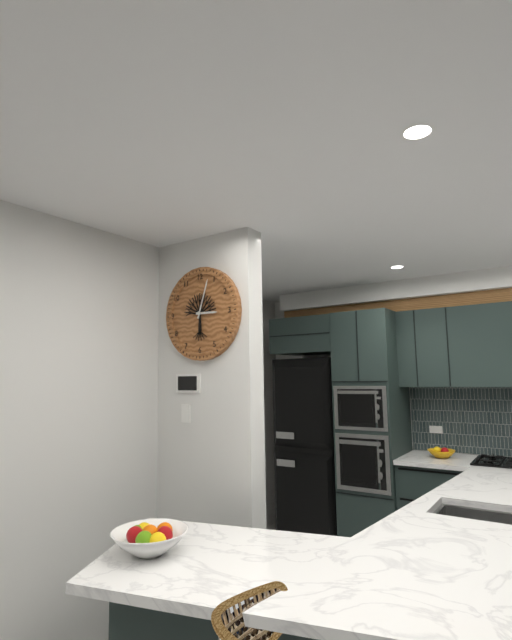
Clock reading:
**3:03**
